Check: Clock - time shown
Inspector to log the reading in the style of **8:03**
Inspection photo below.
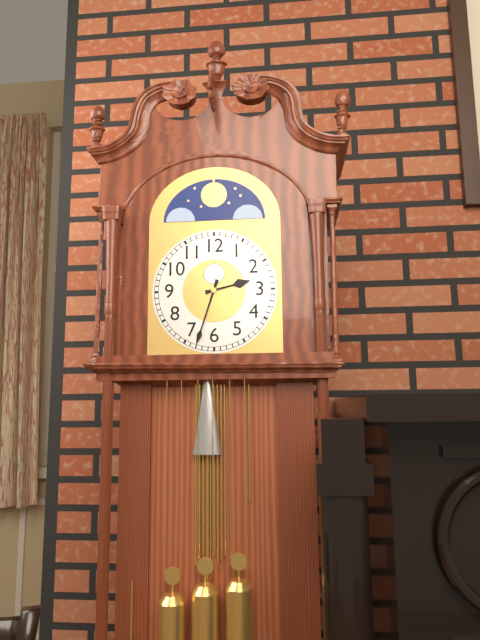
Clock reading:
**2:33**
